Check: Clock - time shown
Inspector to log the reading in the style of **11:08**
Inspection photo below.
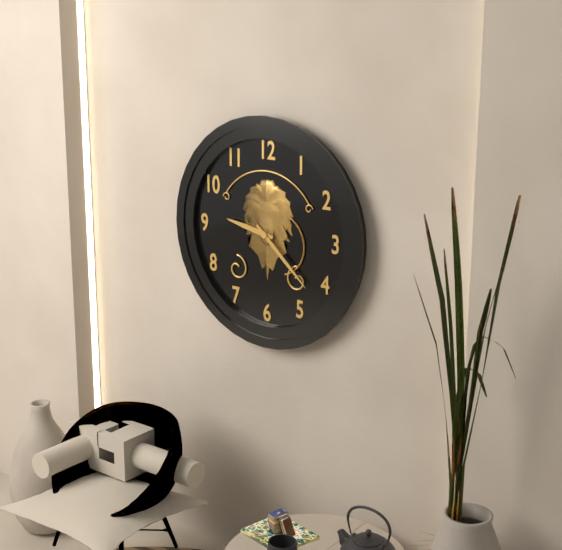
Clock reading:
**9:22**
